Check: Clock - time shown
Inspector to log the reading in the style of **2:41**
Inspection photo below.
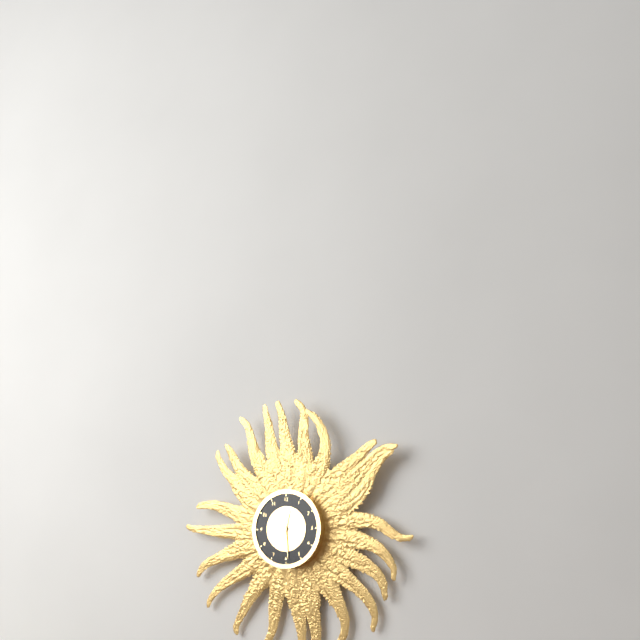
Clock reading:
**12:29**
